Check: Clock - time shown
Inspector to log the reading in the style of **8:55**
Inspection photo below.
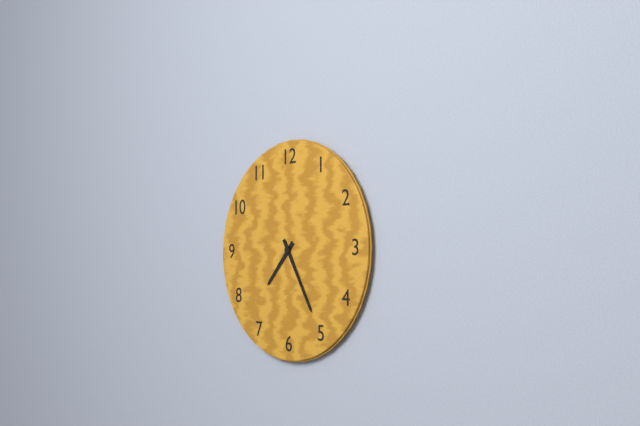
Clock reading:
**7:25**
